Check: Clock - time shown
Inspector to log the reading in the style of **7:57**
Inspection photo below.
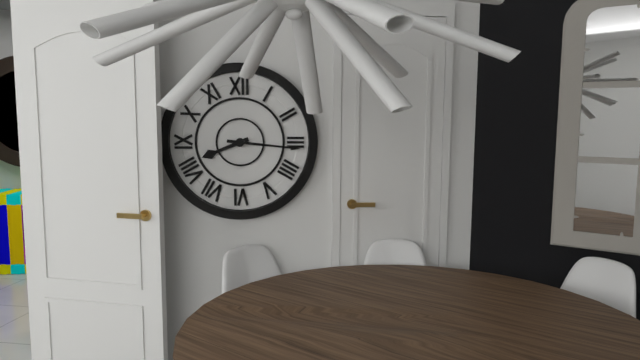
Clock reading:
**8:16**
